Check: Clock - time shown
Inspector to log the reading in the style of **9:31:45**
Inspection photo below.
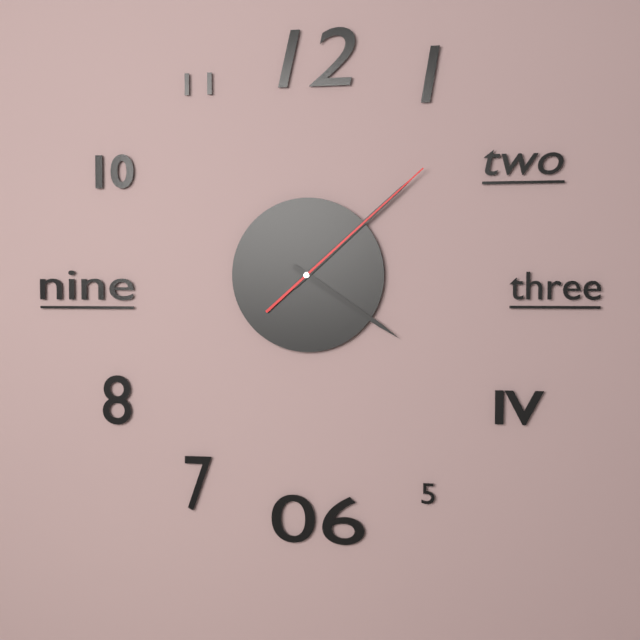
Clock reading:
**4:08:08**
